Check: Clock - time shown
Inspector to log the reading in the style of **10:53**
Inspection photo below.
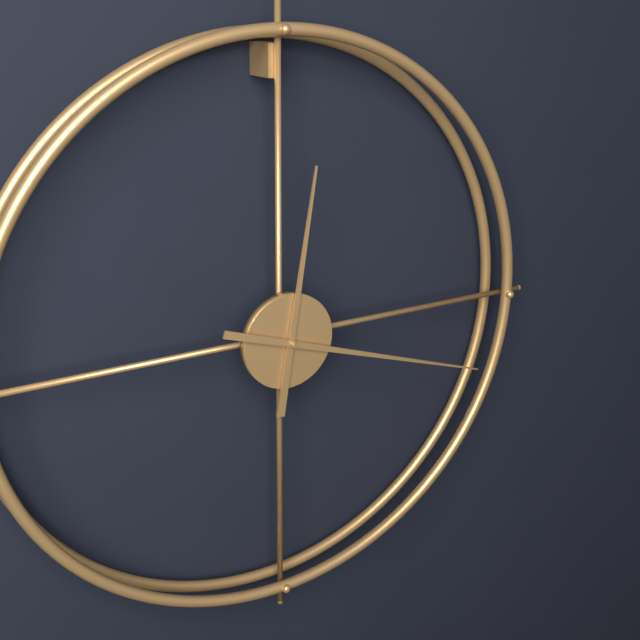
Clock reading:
**12:18**
